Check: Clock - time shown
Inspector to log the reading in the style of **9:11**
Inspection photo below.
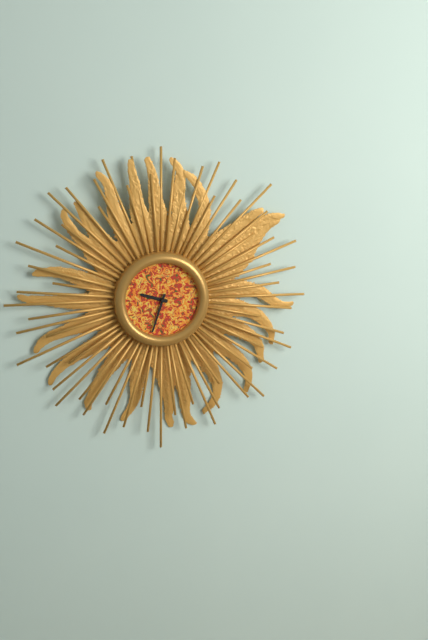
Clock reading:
**9:33**
